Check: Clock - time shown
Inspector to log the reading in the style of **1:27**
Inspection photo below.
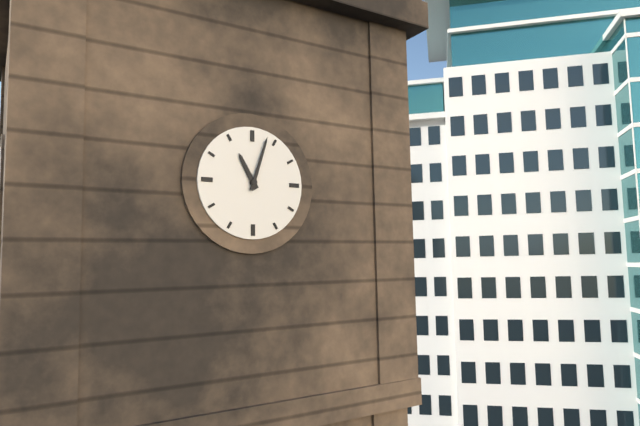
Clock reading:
**11:03**
